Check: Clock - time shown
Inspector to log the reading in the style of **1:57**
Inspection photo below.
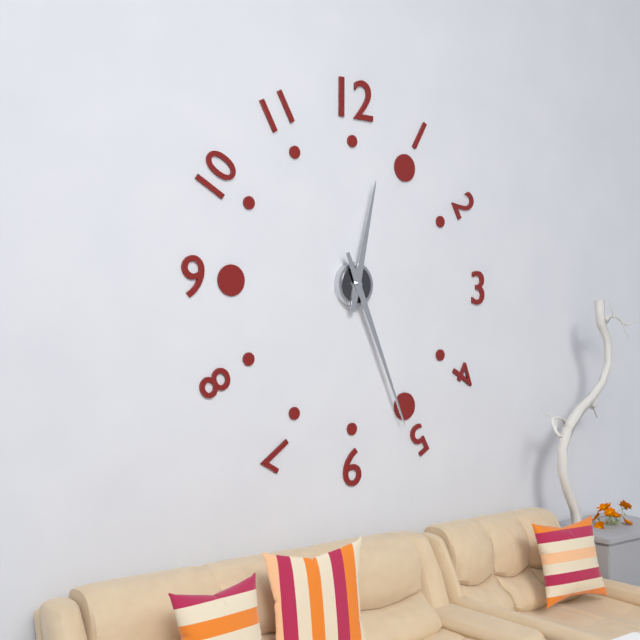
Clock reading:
**12:26**
